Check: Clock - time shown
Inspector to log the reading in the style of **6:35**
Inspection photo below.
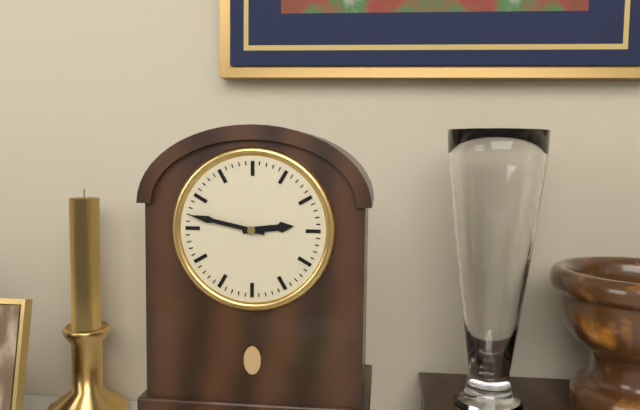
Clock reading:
**2:47**
